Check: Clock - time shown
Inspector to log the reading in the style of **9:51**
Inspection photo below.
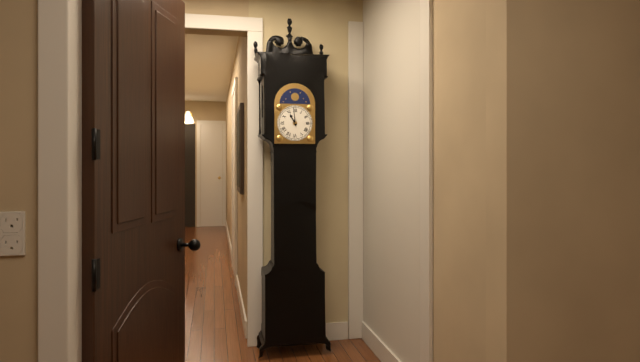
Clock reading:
**10:59**
